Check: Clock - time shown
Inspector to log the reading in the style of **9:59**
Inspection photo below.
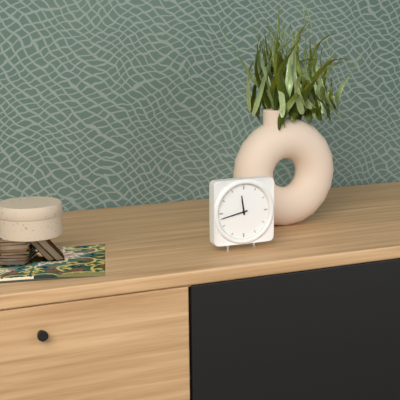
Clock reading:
**11:43**
